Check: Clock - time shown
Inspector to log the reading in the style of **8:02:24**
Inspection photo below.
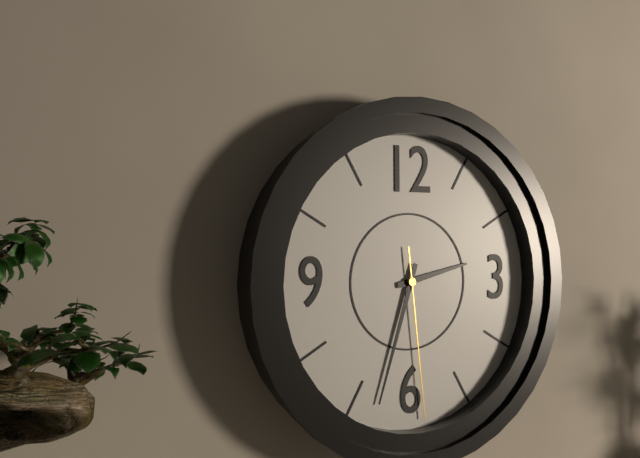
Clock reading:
**2:33:29**
